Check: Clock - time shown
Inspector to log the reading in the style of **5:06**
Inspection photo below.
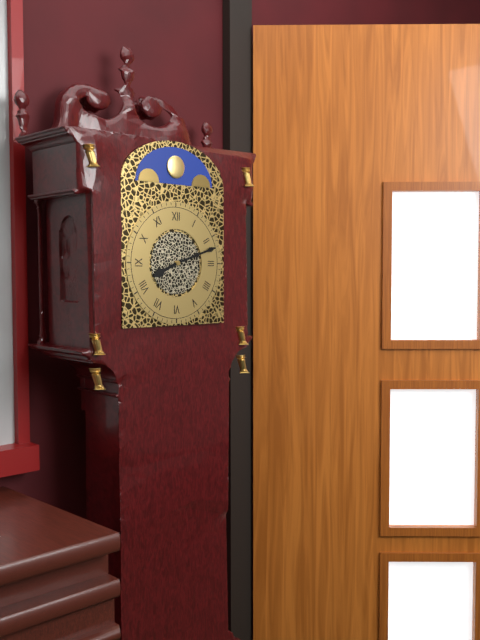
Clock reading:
**8:12**
